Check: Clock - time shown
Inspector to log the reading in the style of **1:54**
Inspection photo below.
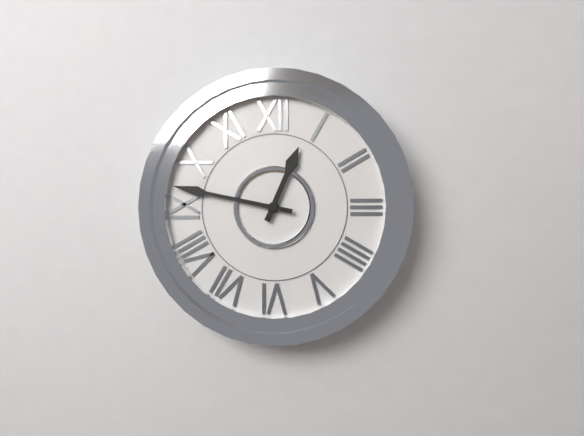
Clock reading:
**12:47**
